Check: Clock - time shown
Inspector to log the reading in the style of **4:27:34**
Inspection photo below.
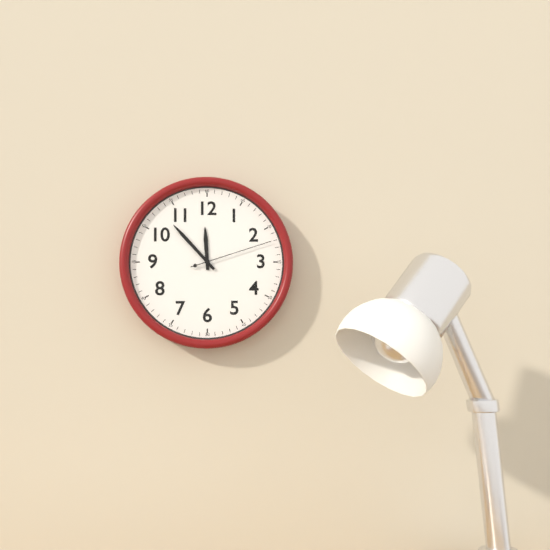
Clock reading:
**11:53:12**
